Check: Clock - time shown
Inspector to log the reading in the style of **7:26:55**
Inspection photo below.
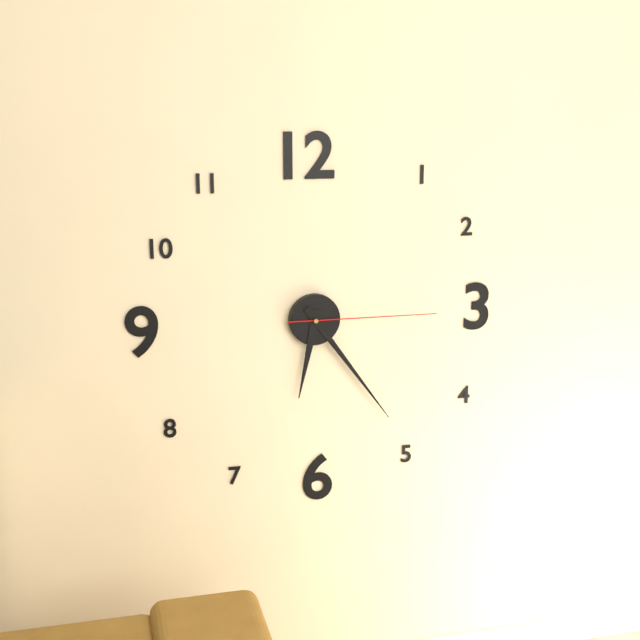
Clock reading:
**6:24:15**
